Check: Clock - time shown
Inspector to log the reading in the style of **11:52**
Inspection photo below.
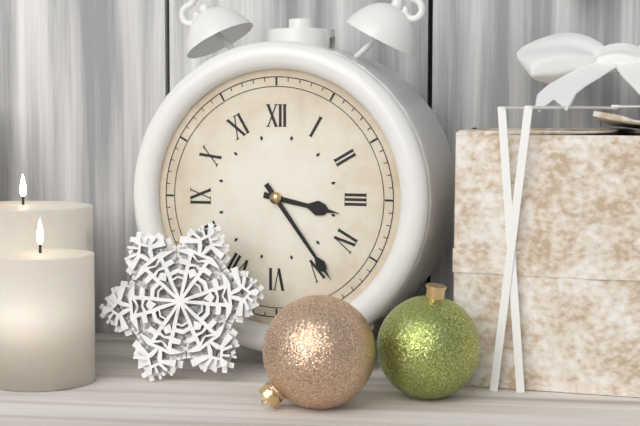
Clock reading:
**3:24**
